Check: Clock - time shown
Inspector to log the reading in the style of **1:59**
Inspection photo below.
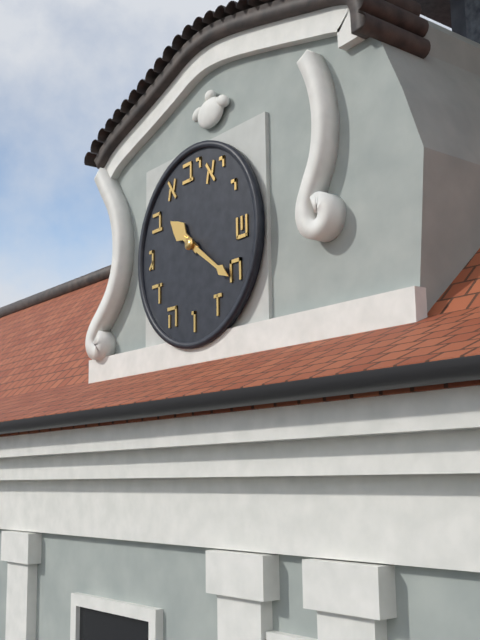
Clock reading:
**10:21**
